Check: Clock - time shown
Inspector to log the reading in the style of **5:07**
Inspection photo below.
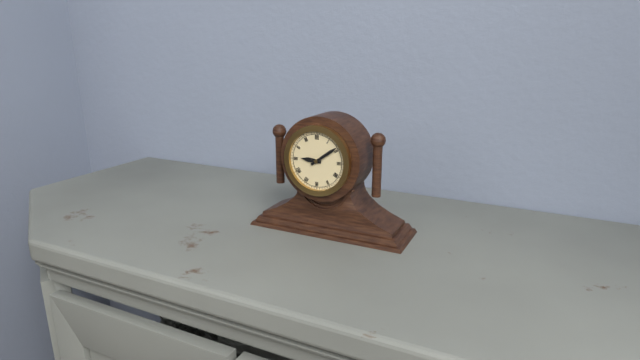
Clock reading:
**9:09**
